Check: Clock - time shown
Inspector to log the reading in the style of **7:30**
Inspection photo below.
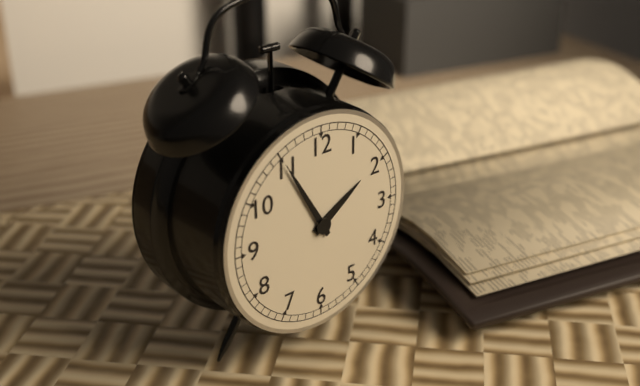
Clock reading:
**1:55**
